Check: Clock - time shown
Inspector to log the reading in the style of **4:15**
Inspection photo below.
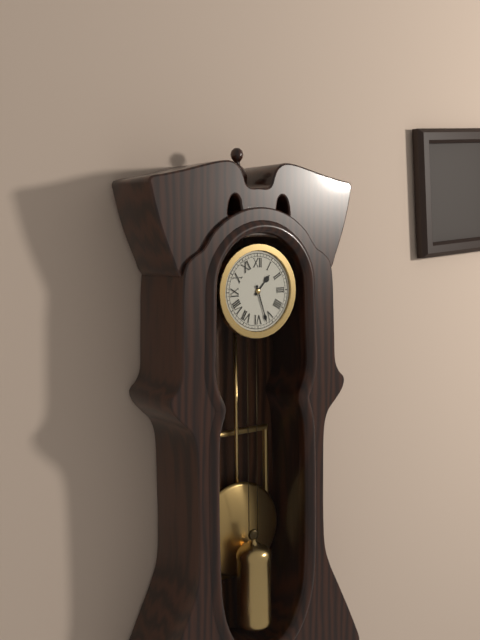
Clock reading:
**1:27**
